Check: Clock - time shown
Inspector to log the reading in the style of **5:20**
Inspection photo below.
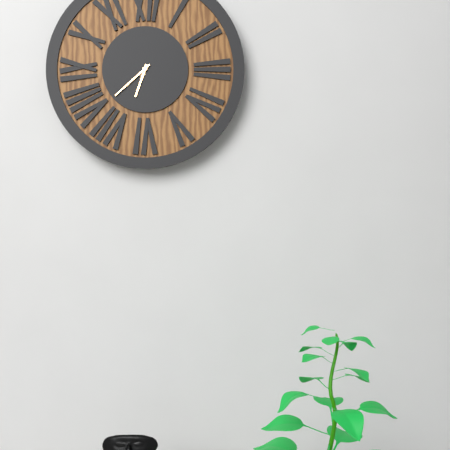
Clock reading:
**6:38**
